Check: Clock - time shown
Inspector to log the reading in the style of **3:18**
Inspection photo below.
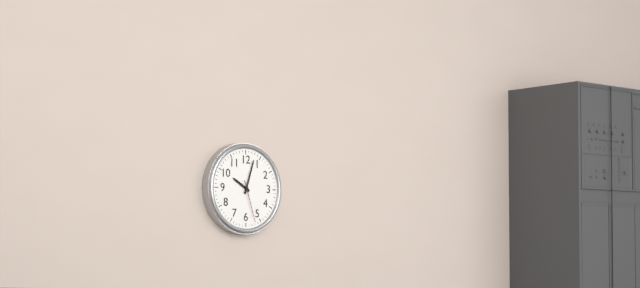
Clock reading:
**10:03**
